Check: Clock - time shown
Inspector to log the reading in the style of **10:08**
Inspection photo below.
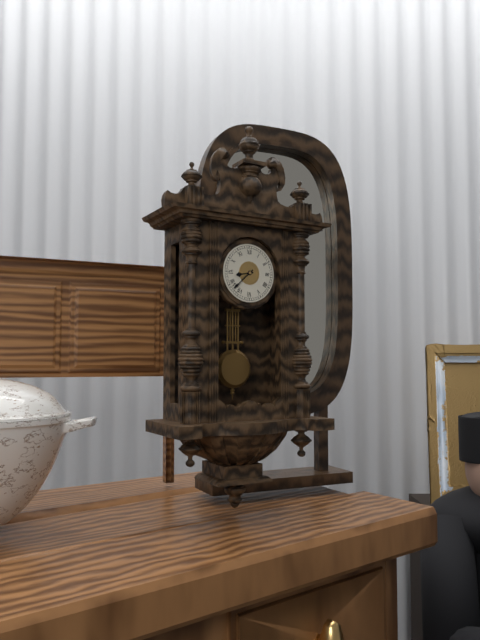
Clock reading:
**8:38**
